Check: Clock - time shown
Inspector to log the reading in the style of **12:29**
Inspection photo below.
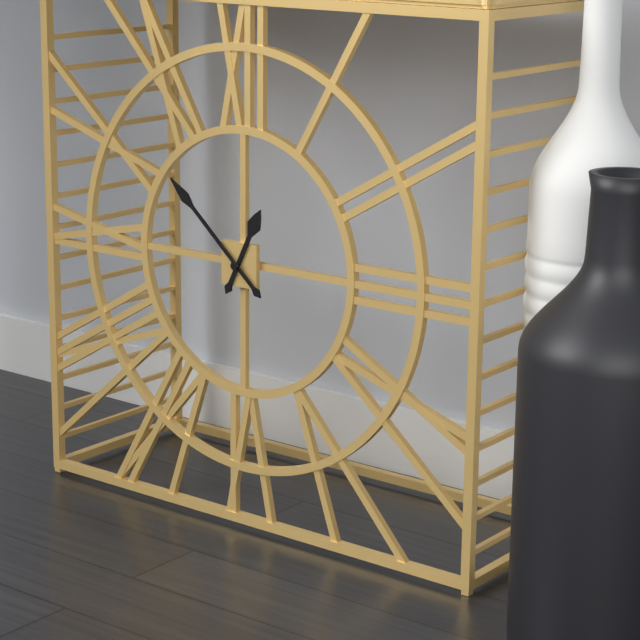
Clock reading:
**12:52**
